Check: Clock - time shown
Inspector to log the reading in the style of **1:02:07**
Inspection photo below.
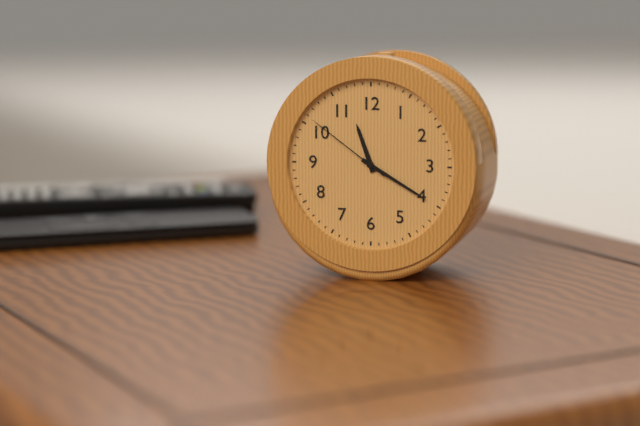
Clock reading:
**11:20:51**
